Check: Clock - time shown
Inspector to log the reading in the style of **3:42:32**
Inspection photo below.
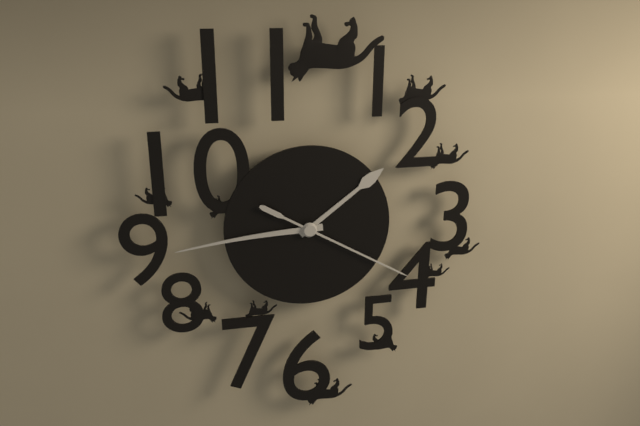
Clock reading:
**1:44:20**
